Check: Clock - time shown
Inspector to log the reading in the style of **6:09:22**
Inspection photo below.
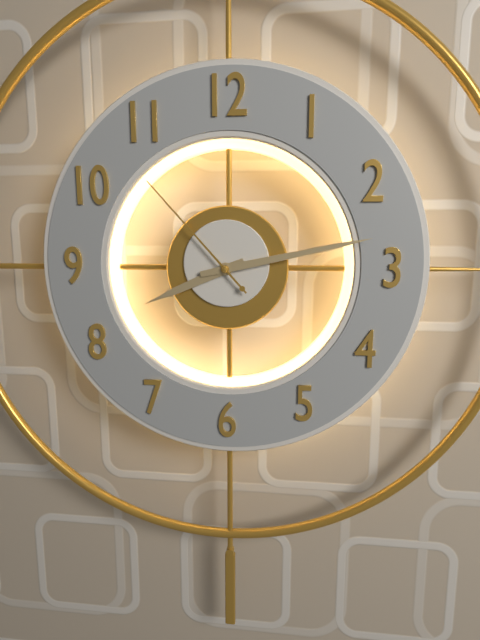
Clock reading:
**8:13:53**
